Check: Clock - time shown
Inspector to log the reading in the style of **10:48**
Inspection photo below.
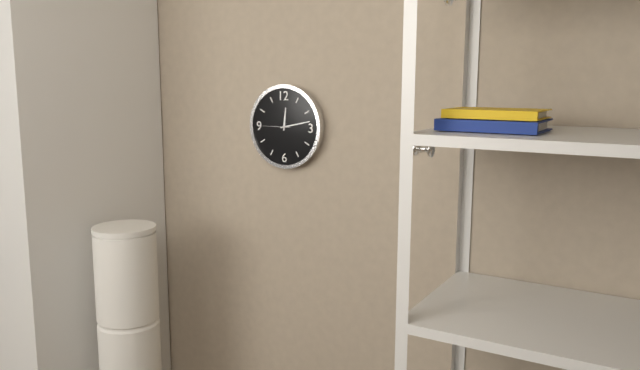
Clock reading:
**12:13**
